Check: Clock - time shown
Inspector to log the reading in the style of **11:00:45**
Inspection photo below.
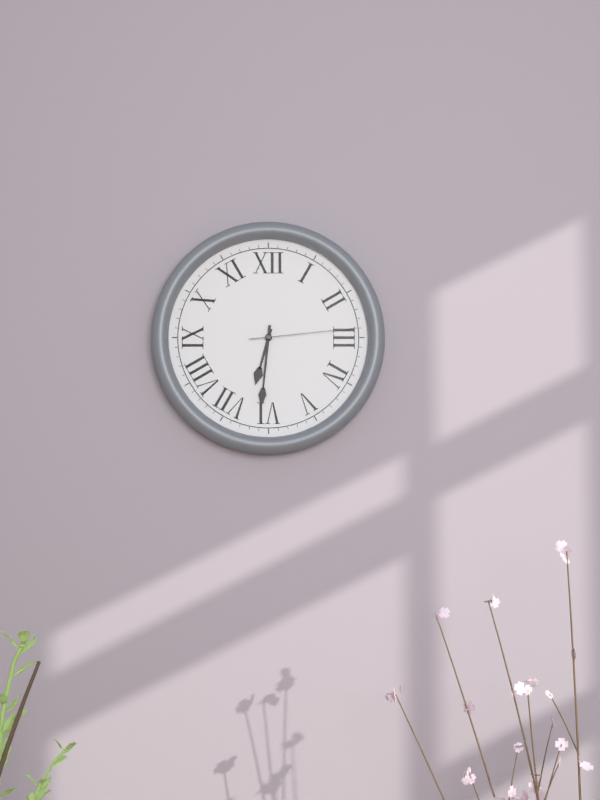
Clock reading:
**6:31:14**
